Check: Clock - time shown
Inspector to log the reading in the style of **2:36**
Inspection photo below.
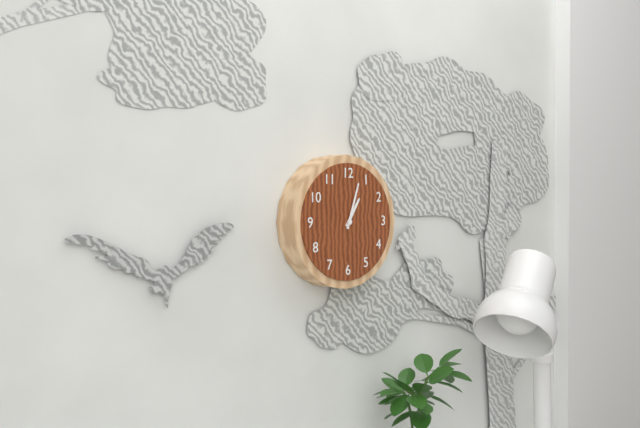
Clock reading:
**1:03**
